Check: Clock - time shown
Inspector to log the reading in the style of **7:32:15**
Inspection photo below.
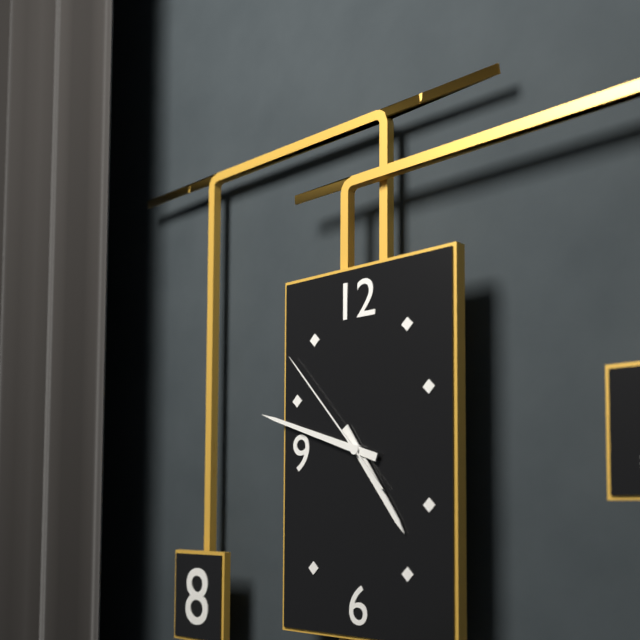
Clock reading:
**4:48:53**
